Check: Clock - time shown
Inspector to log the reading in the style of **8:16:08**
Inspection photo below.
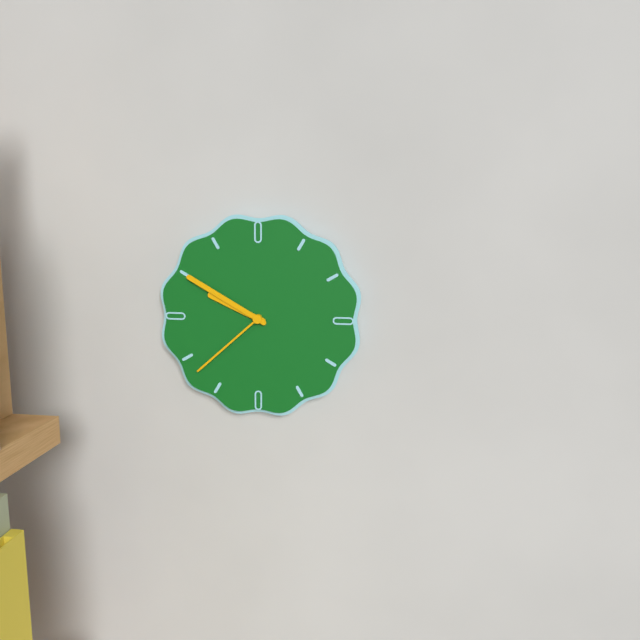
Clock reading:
**9:50:38**
